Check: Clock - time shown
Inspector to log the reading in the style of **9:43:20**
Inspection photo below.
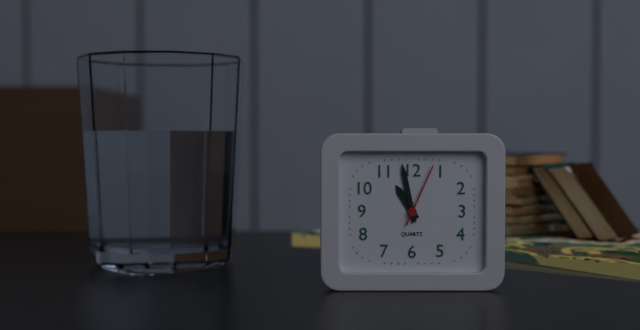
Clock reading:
**10:58:04**
